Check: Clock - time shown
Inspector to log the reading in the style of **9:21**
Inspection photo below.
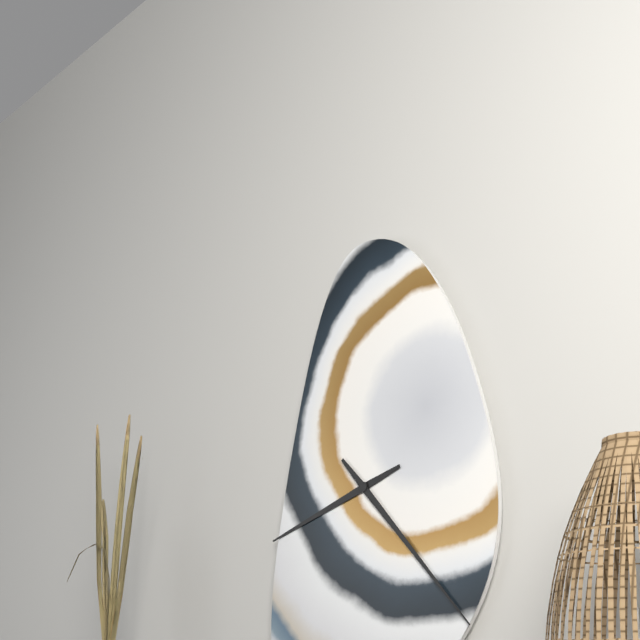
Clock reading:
**8:23**
